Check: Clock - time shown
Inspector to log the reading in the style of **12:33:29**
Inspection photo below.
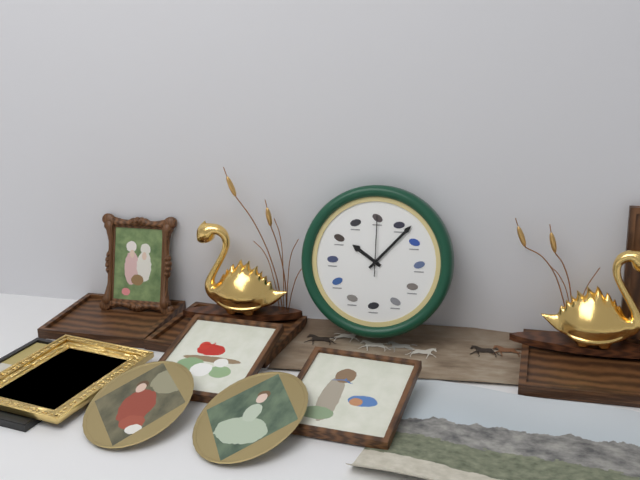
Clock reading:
**10:07:00**
